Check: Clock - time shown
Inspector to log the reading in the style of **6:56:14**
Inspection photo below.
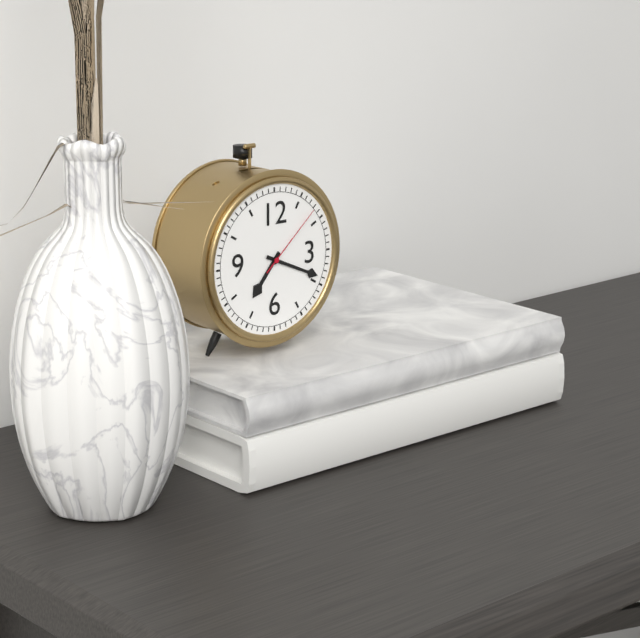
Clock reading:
**7:19:08**
